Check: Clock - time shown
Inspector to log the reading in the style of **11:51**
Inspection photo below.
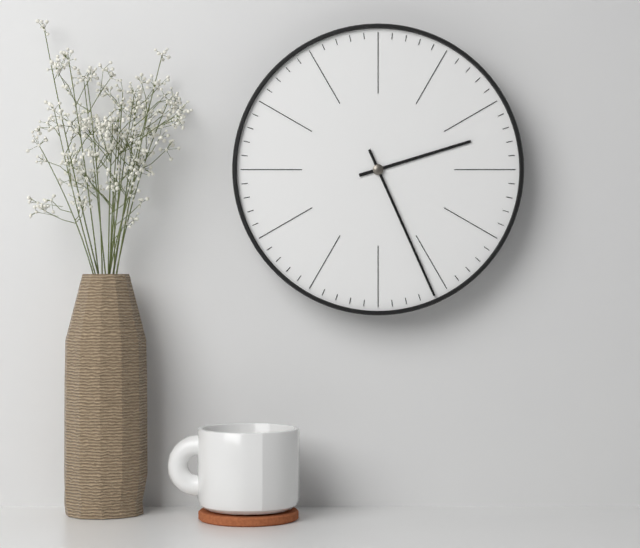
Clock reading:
**2:26**
